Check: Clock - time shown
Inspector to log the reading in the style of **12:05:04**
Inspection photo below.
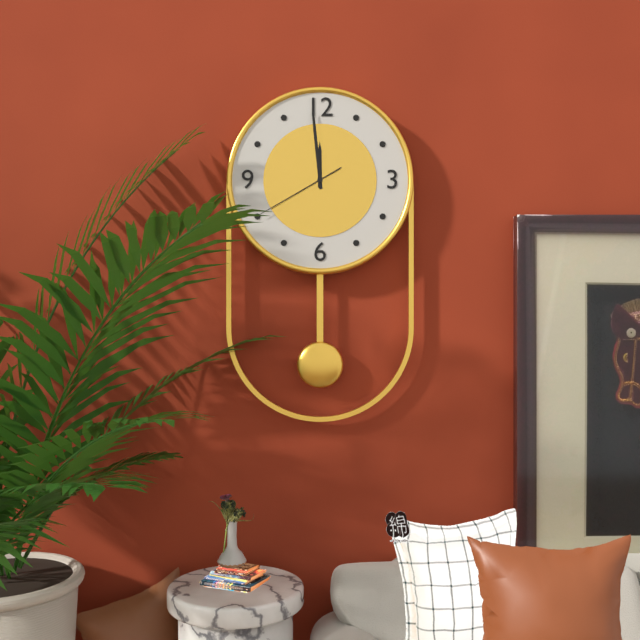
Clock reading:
**11:59:40**
